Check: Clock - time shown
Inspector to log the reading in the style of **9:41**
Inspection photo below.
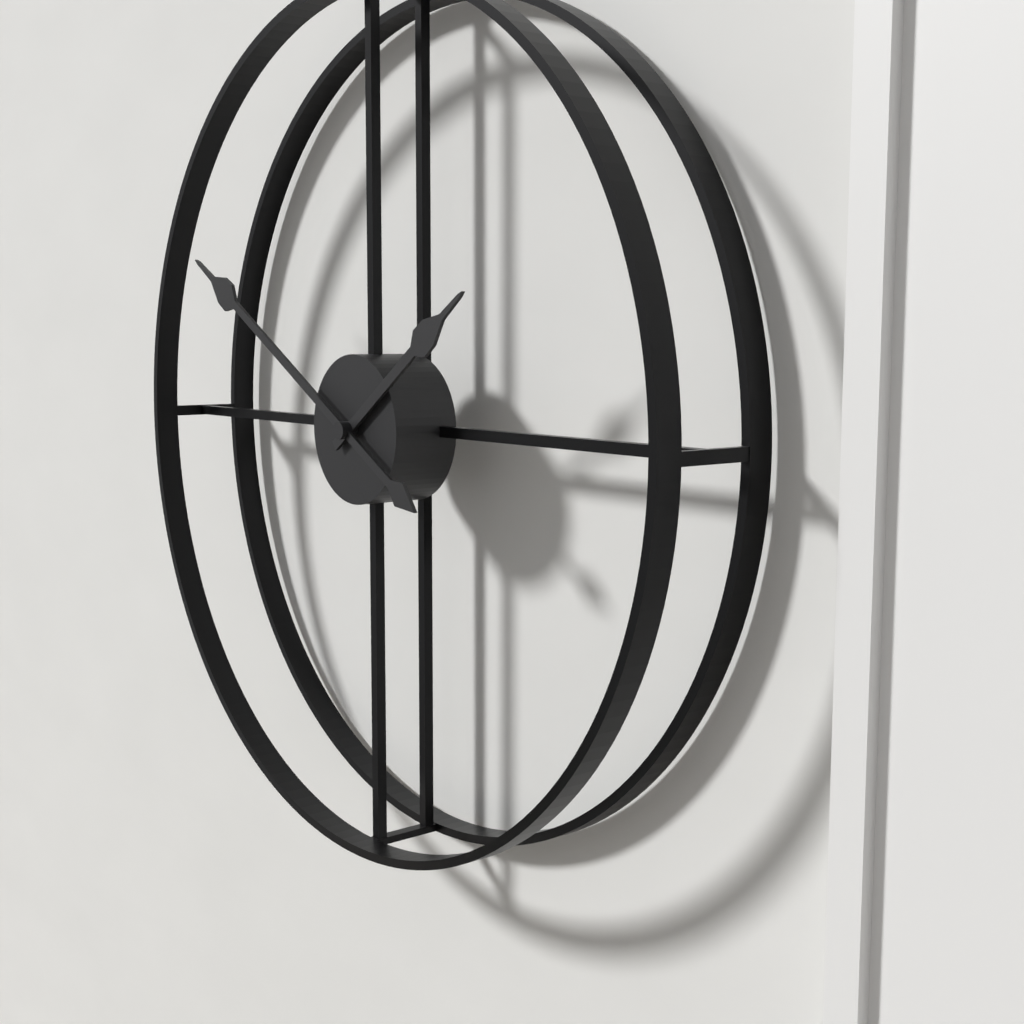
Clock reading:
**1:50**
